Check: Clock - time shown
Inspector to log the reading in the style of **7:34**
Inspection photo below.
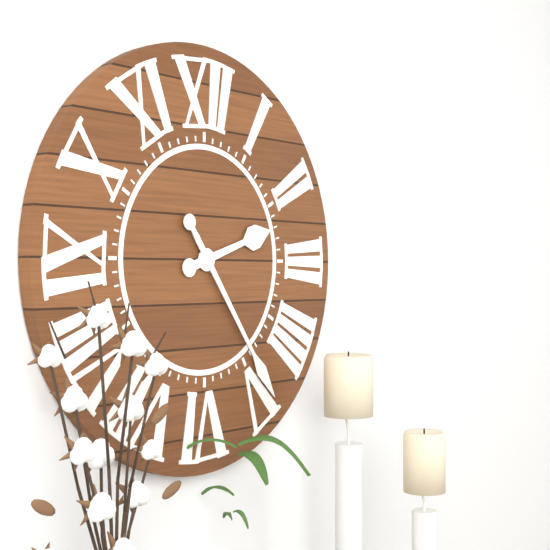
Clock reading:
**2:24**
